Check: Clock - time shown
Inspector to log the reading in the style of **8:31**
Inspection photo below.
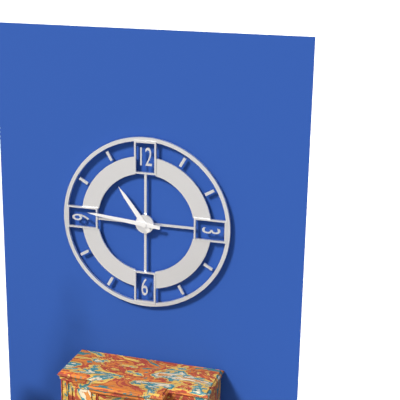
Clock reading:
**10:46**
